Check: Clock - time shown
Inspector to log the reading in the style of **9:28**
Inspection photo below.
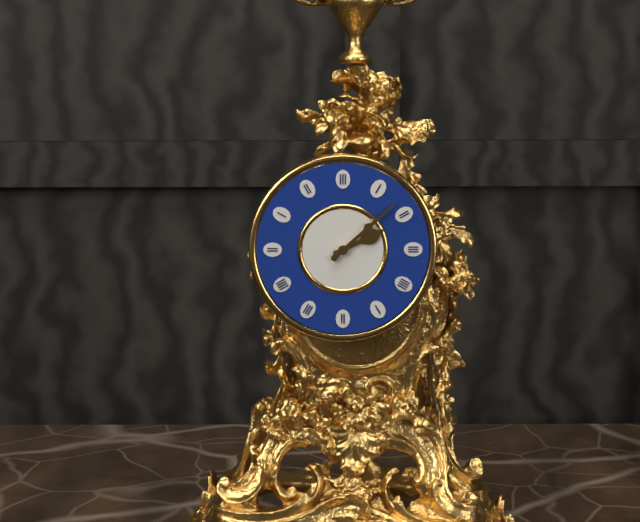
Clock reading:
**2:08**
